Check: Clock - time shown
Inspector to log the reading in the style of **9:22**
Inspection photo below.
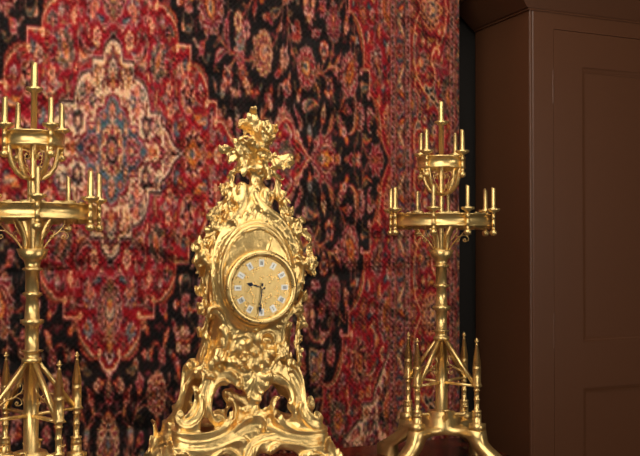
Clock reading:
**9:31**
